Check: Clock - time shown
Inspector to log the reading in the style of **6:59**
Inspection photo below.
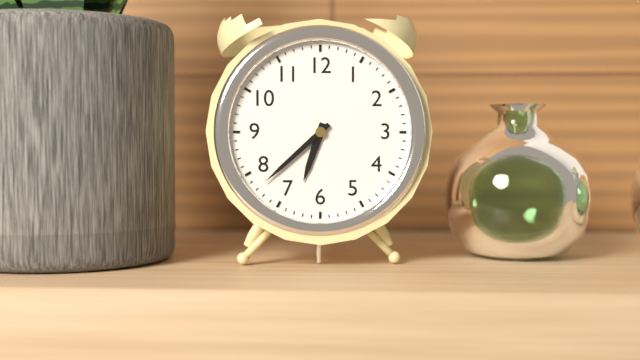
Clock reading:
**6:38**
